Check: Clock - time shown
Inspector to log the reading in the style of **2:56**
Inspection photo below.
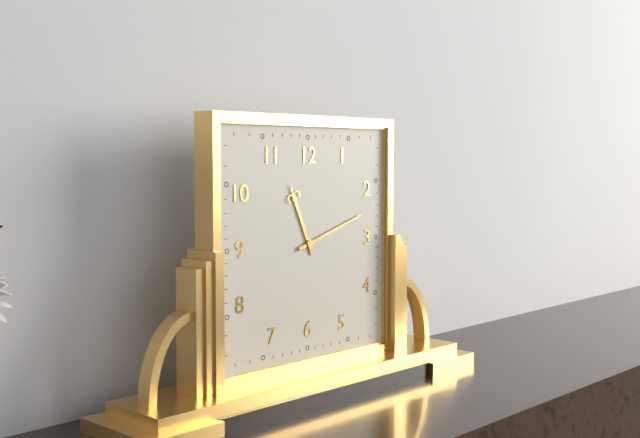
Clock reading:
**11:12**
